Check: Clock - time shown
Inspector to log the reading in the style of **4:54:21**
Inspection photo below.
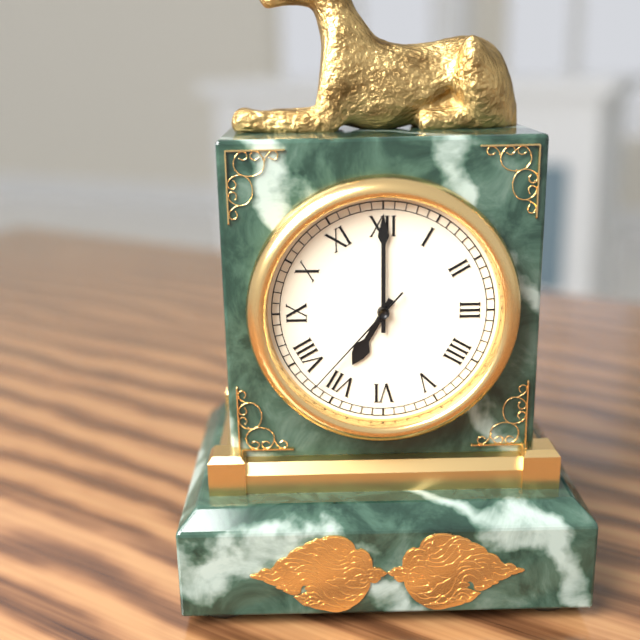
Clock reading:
**7:00:37**
